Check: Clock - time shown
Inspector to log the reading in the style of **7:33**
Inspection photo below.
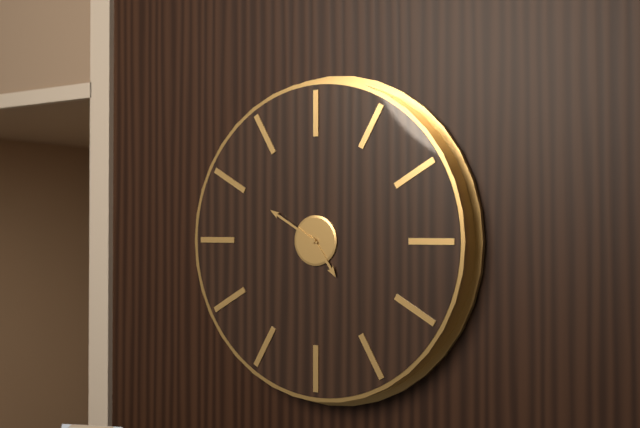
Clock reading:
**4:50**
